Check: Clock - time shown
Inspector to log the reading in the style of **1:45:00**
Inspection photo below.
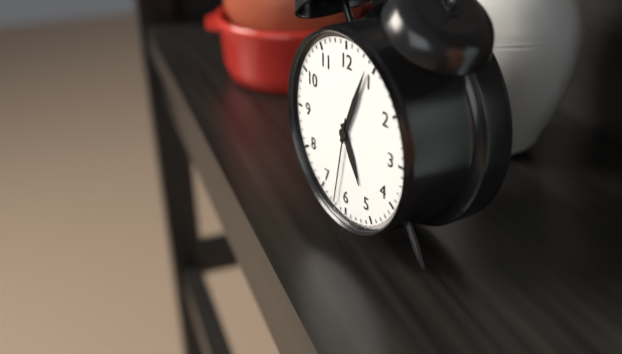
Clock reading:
**5:04:32**
